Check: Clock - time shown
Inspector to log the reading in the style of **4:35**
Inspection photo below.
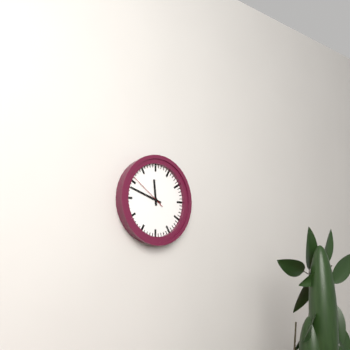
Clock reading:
**11:48**
